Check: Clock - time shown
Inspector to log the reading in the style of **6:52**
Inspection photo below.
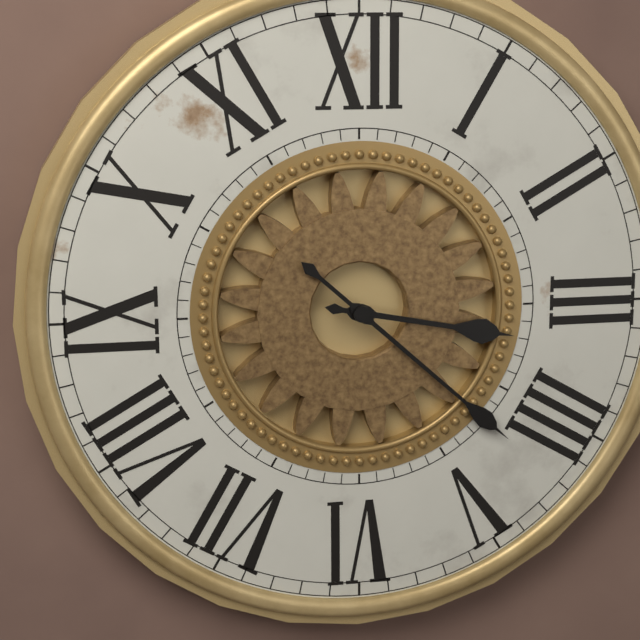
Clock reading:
**3:22**
